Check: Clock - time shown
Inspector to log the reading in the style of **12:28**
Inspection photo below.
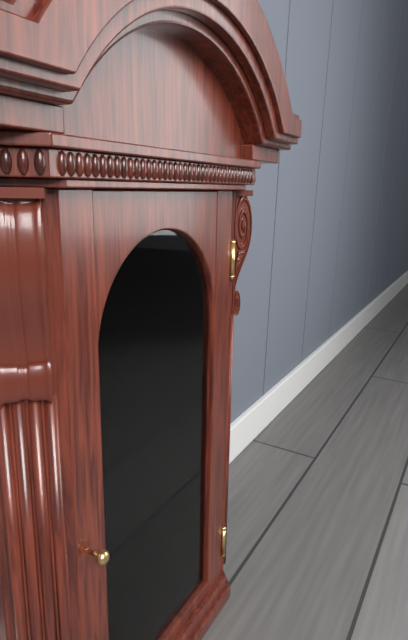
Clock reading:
**10:04**
